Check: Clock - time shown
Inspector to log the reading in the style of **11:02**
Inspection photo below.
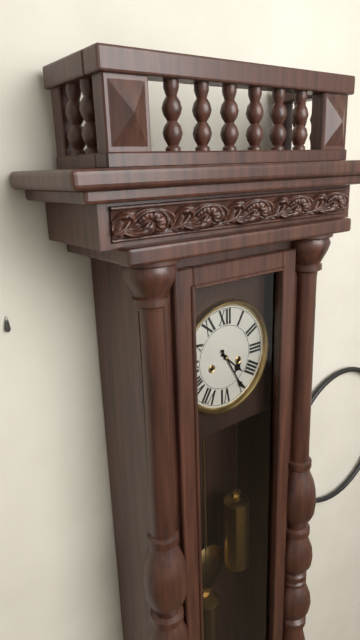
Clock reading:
**4:25**
